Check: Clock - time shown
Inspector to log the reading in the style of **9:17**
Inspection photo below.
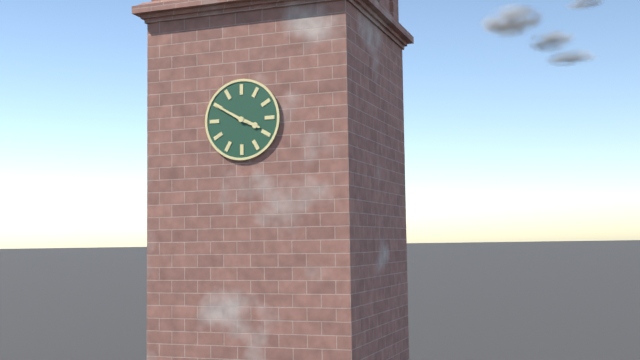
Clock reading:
**3:50**
